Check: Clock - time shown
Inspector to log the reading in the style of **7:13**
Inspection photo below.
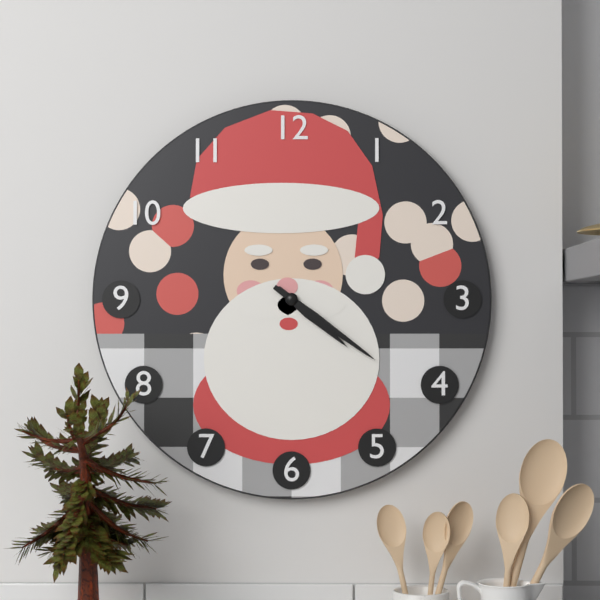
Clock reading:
**4:21**
